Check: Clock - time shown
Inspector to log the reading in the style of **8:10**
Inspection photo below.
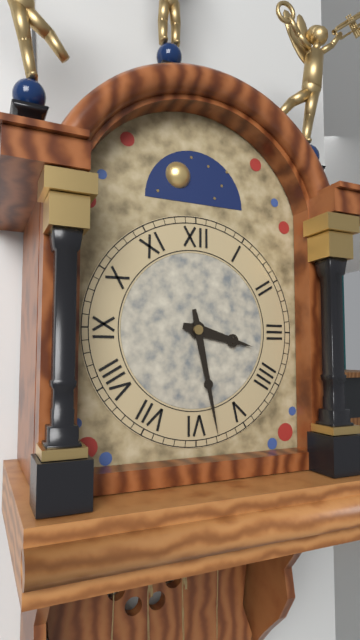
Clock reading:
**3:28**
